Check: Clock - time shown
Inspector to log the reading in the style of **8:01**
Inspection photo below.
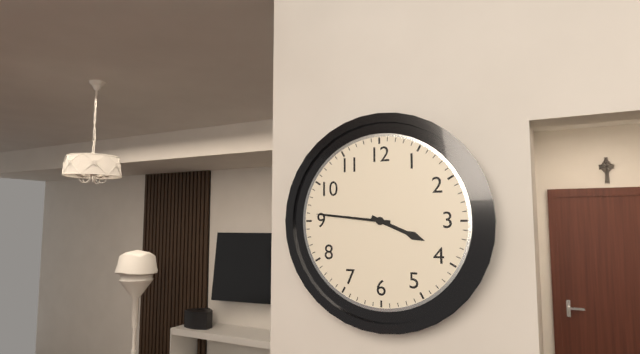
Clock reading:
**3:46**
